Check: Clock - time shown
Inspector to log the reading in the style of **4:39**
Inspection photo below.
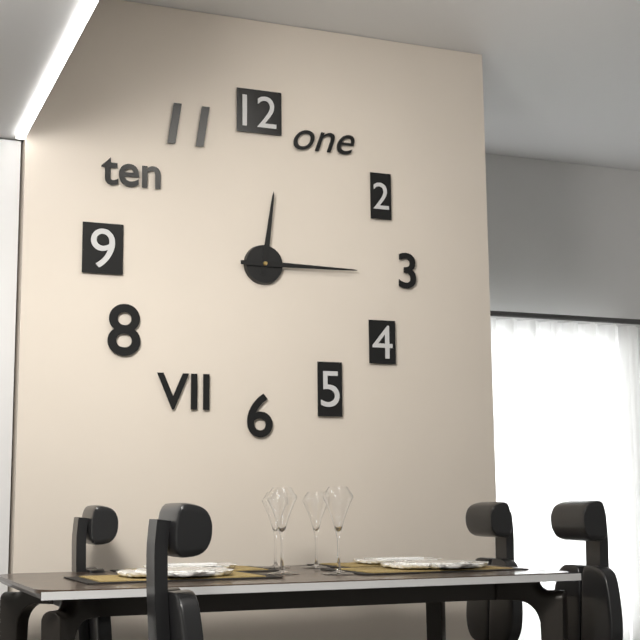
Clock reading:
**12:15**
